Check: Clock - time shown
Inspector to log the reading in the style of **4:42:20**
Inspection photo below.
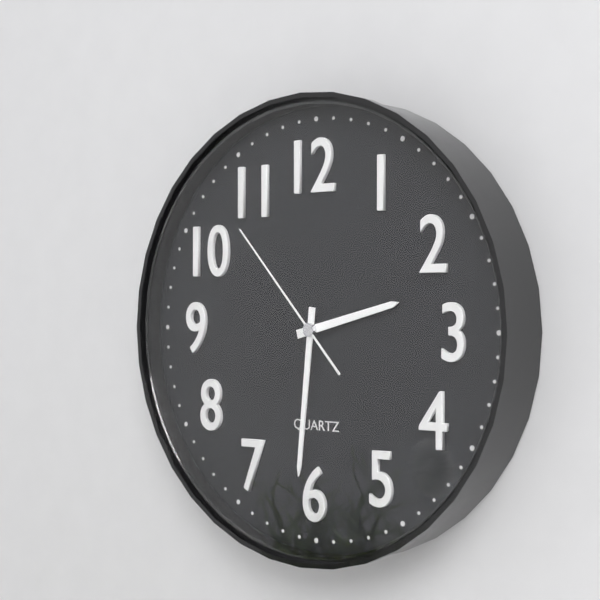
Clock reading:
**2:31:53**
